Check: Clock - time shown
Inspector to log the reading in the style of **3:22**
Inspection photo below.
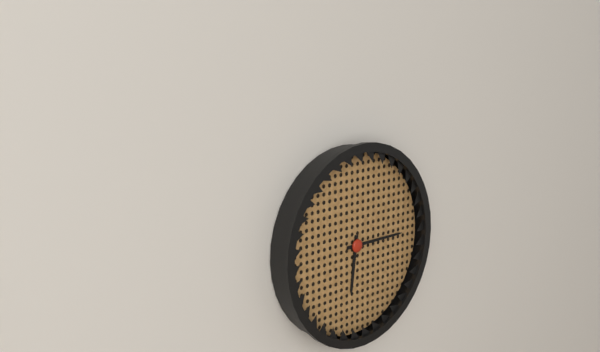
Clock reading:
**6:15**
